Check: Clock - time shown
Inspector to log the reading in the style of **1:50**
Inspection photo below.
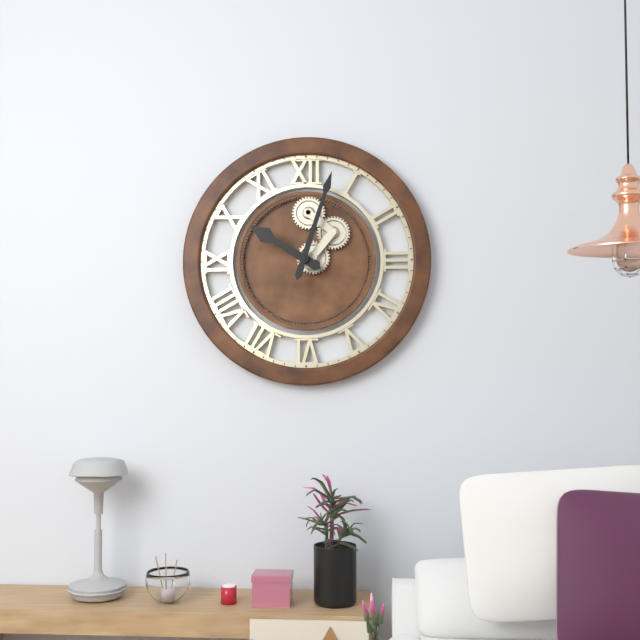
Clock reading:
**10:03**
